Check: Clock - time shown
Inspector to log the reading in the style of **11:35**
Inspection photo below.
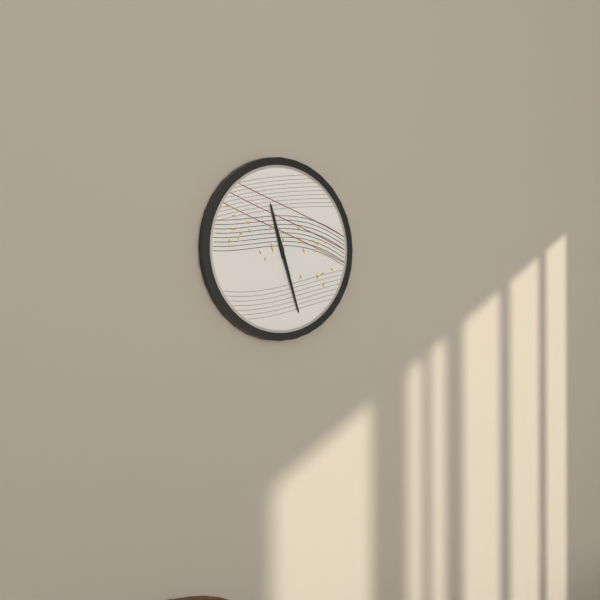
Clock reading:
**11:27**
